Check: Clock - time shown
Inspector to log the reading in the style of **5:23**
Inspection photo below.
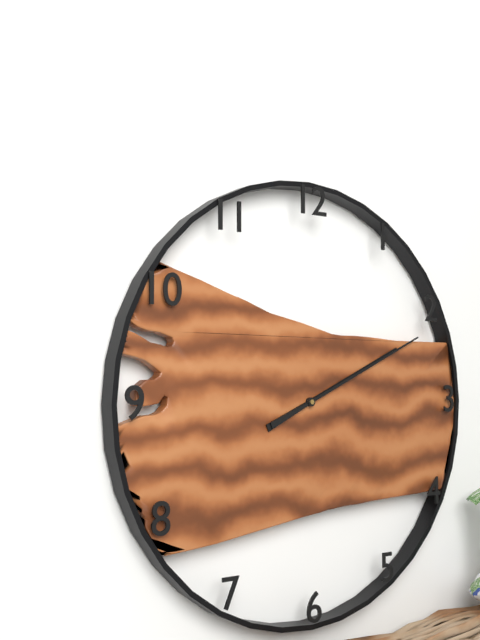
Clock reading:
**2:11**
